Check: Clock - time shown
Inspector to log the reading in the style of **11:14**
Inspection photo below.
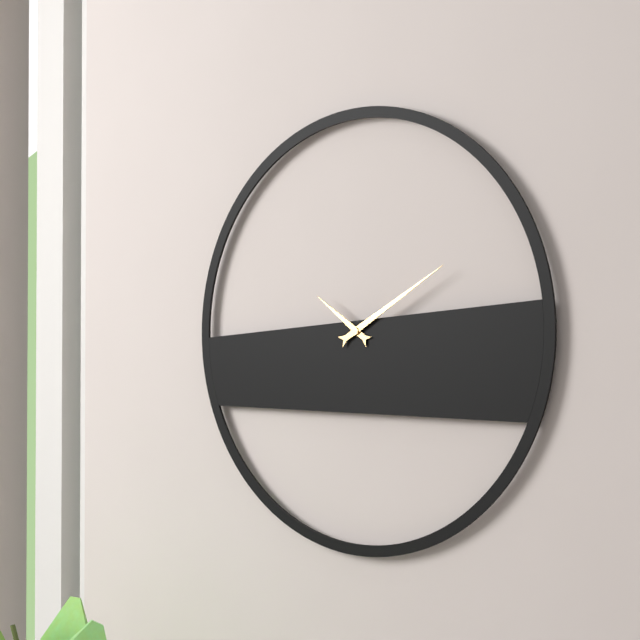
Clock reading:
**10:10**
